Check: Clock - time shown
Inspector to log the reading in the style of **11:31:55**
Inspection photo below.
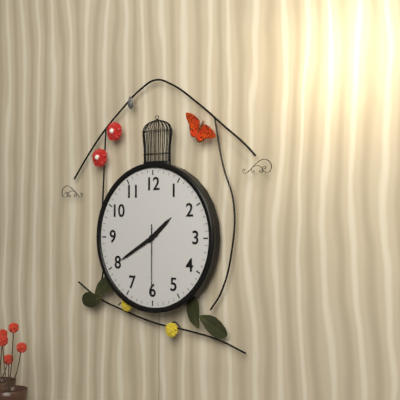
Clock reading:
**1:40:30**
